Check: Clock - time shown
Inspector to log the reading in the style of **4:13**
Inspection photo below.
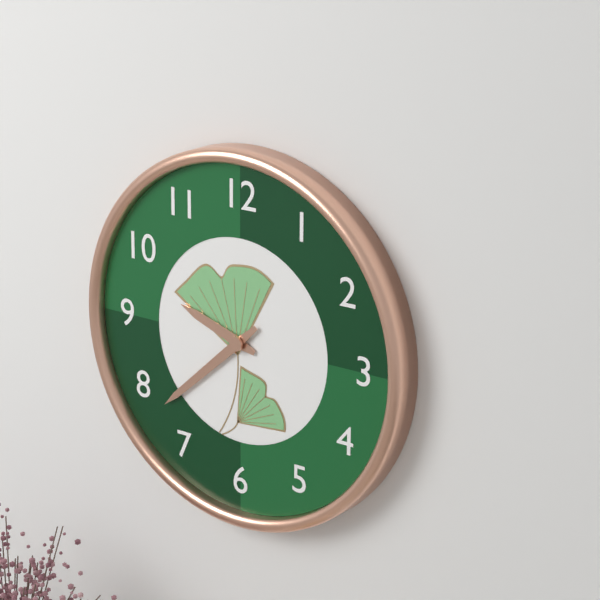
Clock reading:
**9:38**
